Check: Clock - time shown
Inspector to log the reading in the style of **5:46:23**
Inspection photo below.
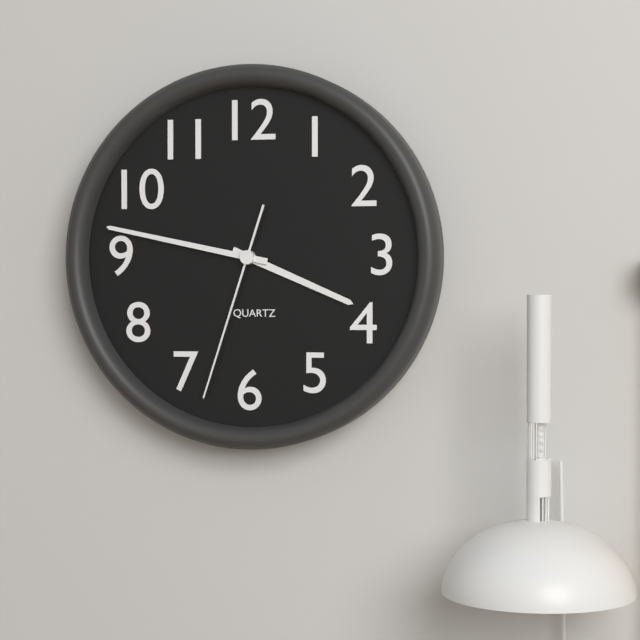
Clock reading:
**3:47:33**
